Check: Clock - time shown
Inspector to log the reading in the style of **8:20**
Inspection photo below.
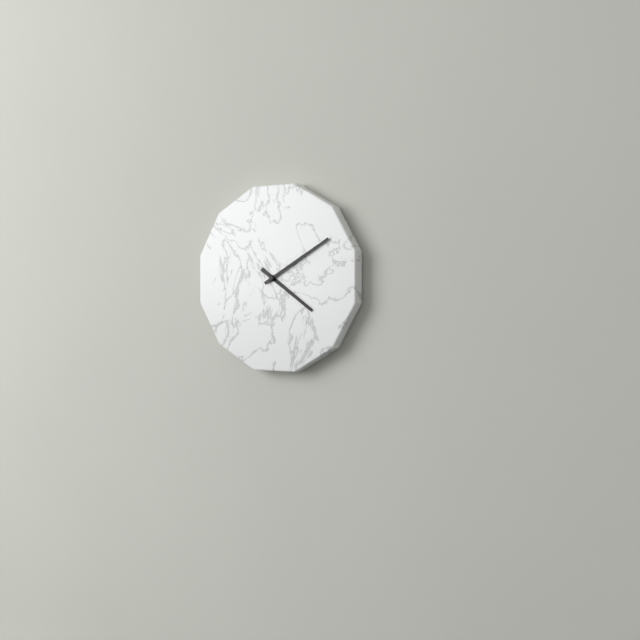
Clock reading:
**4:10**
